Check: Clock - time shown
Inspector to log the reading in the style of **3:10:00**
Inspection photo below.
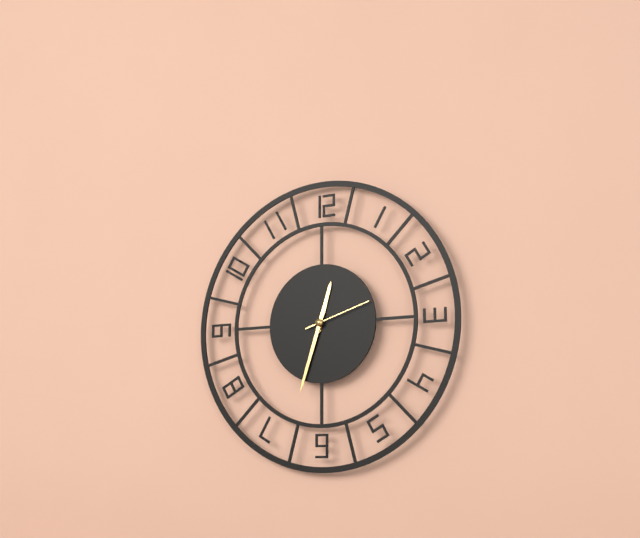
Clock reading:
**12:33:12**
